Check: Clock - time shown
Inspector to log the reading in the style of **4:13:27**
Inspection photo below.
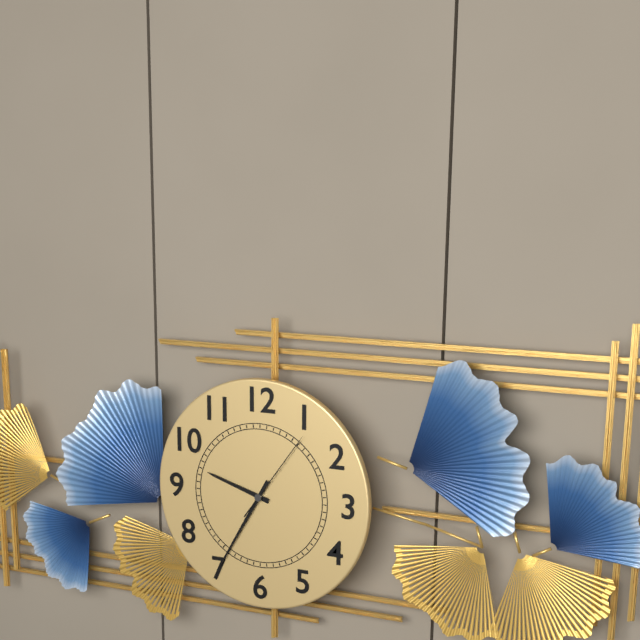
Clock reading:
**9:35:06**
